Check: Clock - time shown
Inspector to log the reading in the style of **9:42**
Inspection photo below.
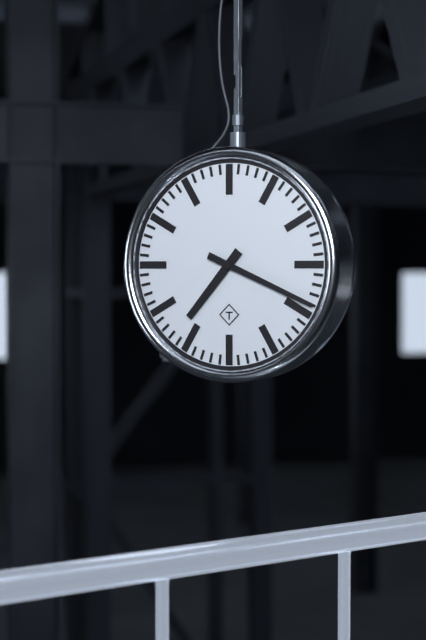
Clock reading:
**7:19**
